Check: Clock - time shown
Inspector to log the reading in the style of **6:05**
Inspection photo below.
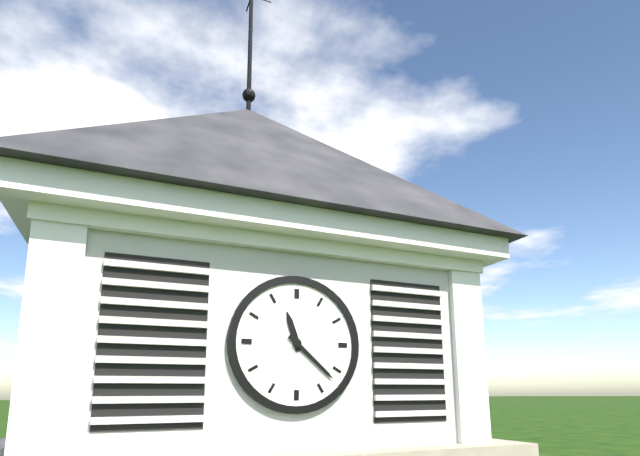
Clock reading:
**11:22**
